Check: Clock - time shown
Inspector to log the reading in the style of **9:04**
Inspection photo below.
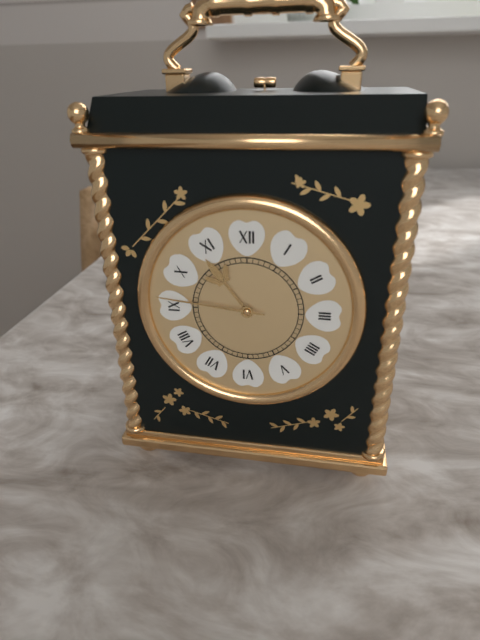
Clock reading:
**10:46**
